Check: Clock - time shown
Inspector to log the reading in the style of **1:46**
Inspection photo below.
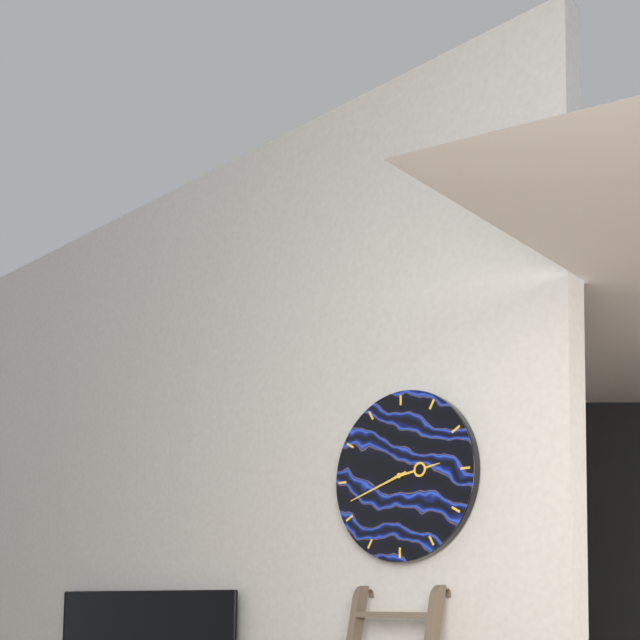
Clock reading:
**2:42**
